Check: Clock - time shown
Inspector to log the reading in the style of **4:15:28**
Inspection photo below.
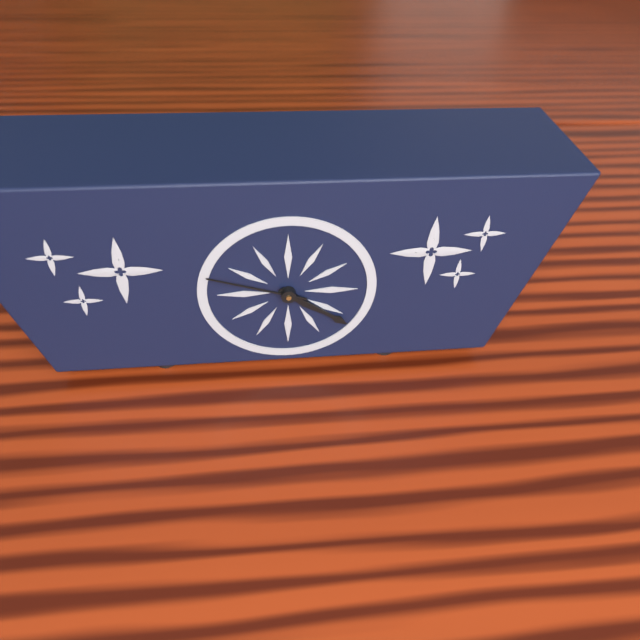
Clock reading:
**4:21:48**
